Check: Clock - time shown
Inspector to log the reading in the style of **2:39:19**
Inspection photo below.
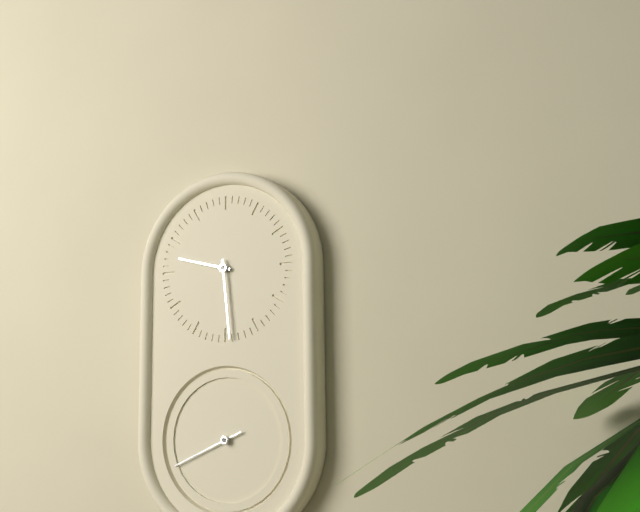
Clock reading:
**9:29:41**
